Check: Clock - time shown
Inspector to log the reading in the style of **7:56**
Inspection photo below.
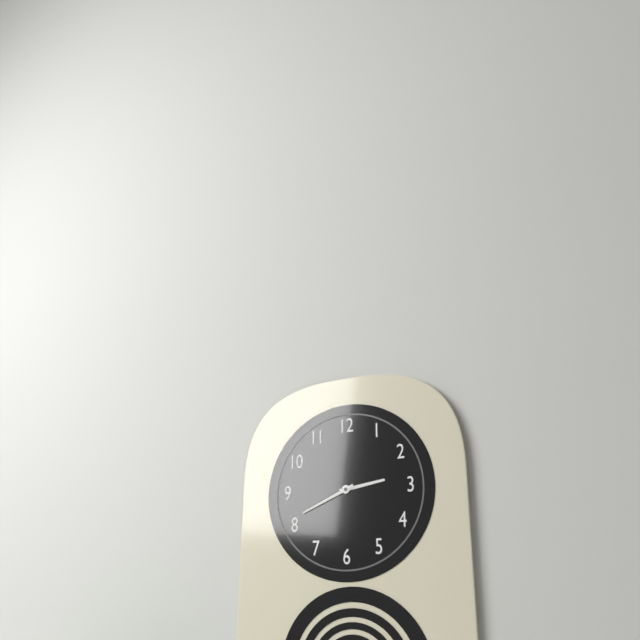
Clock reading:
**2:41**
